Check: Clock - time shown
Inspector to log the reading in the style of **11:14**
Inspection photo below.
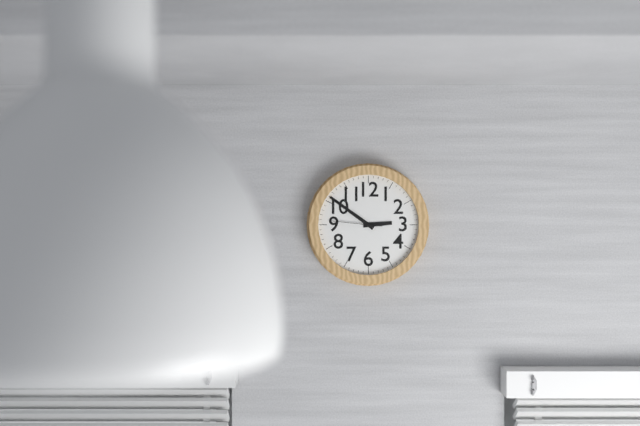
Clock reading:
**2:51**
